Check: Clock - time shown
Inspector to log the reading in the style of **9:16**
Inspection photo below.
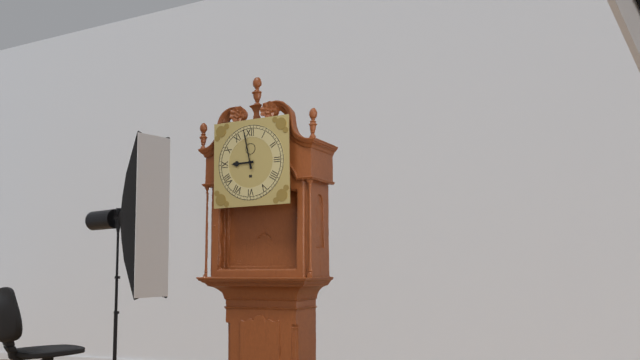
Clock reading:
**8:58**
